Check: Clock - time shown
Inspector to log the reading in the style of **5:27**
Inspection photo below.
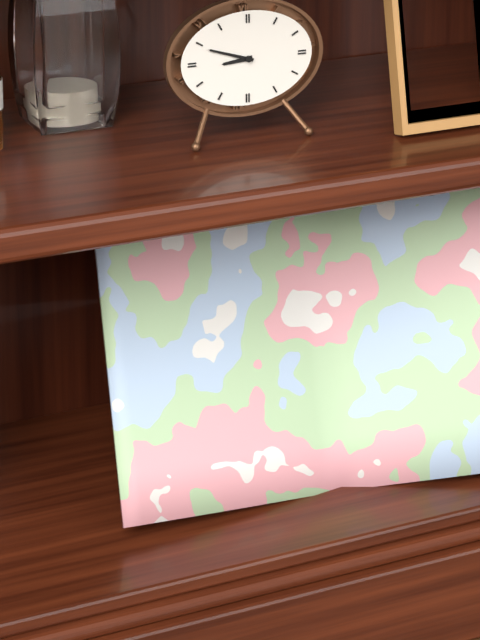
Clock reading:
**8:48**
